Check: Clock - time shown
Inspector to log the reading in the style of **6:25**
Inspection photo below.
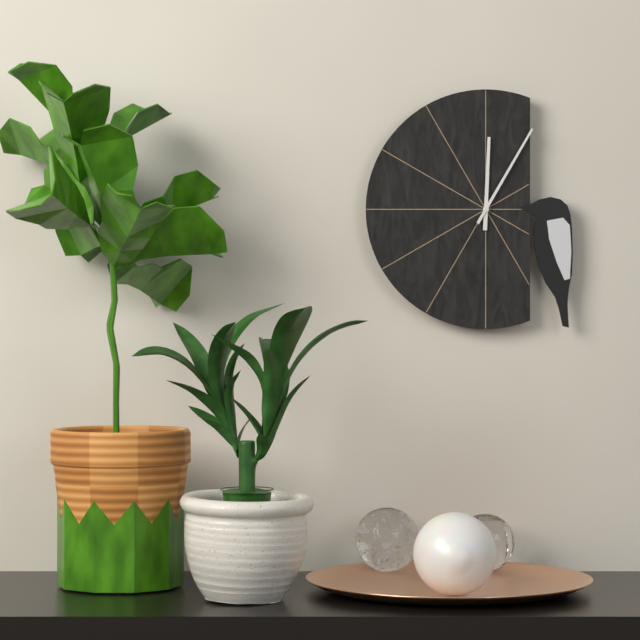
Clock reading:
**12:05**
